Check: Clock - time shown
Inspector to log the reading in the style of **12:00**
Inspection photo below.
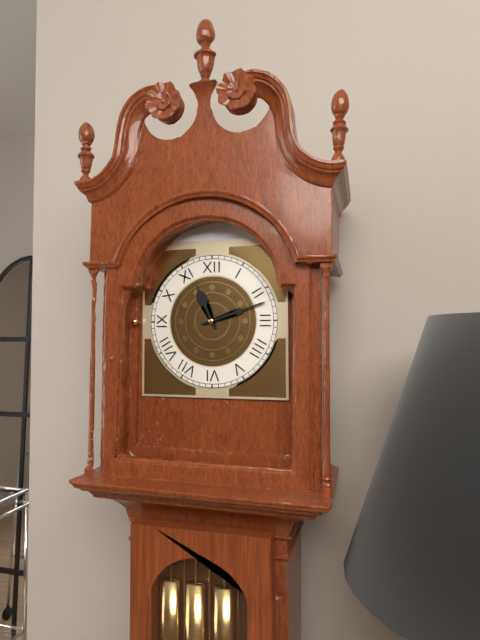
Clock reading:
**11:12**
